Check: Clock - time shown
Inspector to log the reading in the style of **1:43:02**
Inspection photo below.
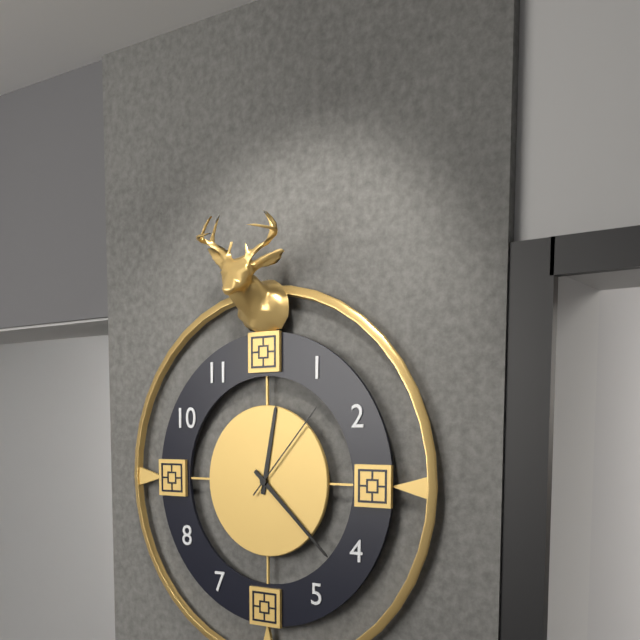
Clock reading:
**12:22:07**
